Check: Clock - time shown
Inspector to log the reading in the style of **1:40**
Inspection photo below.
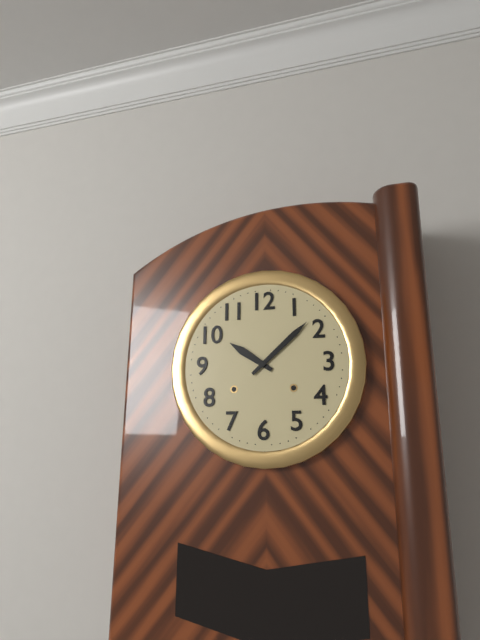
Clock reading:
**10:08**
